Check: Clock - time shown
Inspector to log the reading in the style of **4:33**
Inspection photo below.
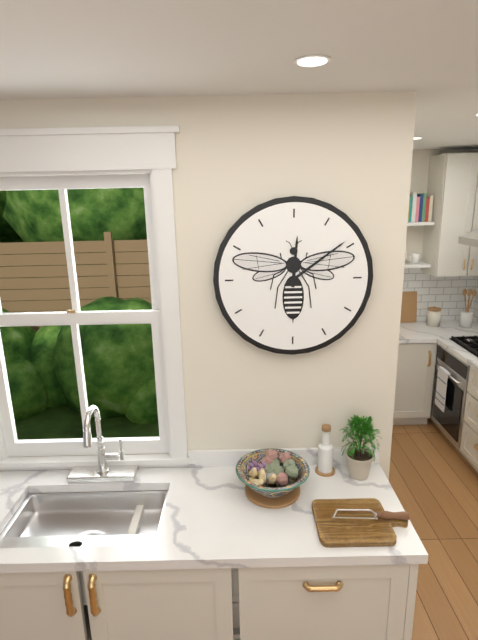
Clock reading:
**12:09**
